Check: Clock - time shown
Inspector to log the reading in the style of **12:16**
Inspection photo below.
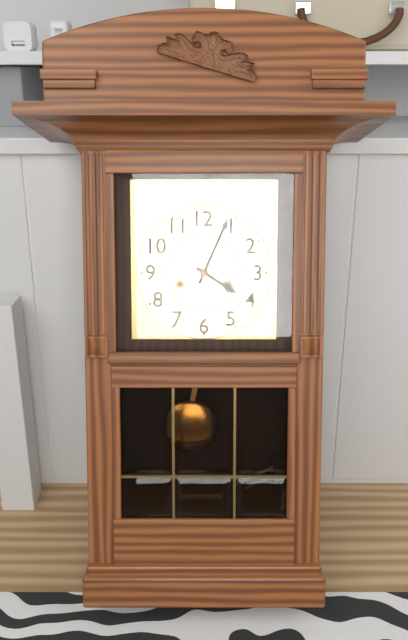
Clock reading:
**4:04**
